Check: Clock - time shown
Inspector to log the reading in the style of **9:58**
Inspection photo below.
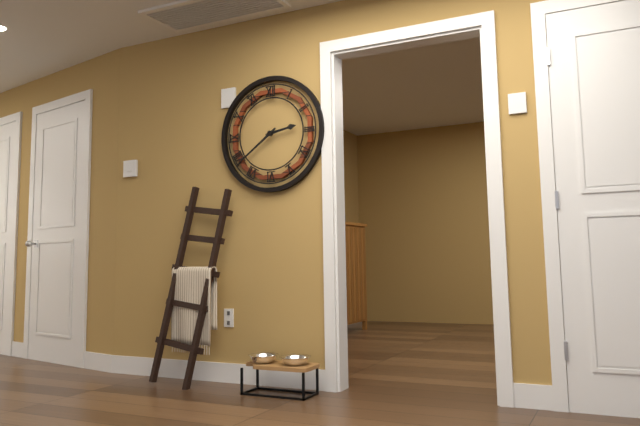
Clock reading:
**2:39**
